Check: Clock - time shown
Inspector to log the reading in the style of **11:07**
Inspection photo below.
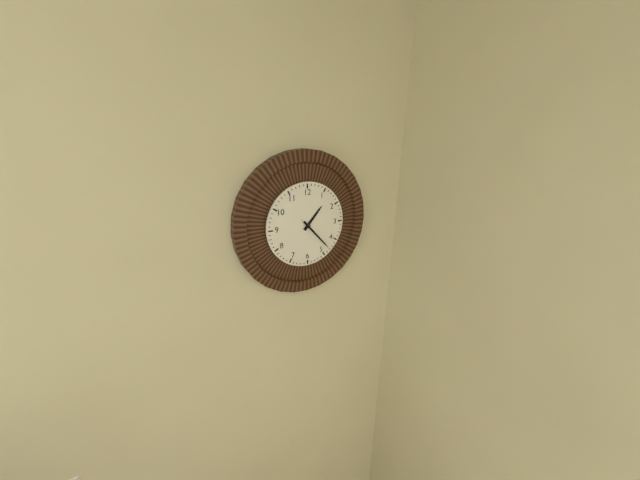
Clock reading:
**1:23**
